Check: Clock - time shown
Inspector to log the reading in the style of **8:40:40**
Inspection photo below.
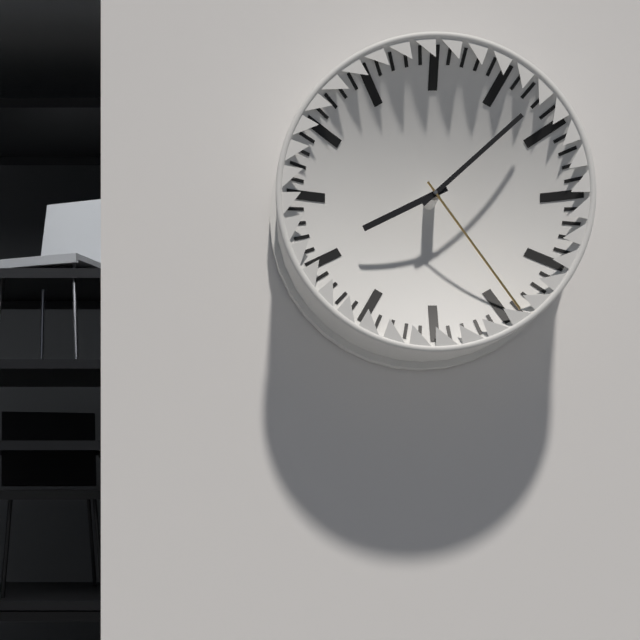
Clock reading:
**8:08:24**
